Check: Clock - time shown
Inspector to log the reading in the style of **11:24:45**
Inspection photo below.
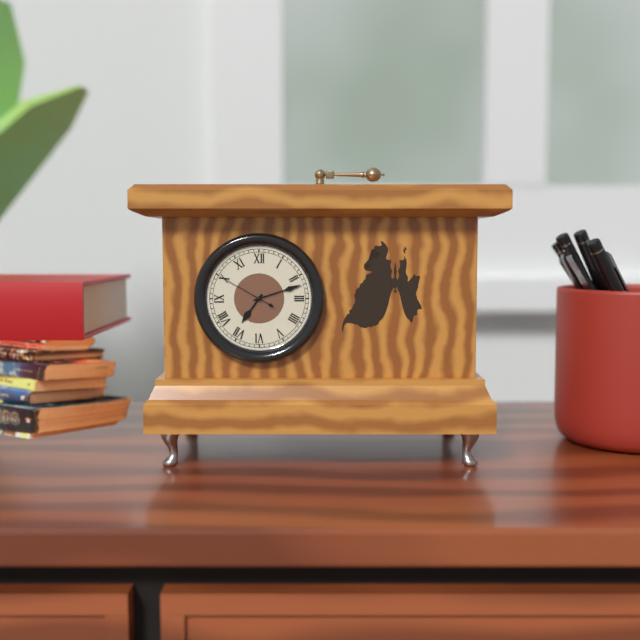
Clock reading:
**7:12:50**
